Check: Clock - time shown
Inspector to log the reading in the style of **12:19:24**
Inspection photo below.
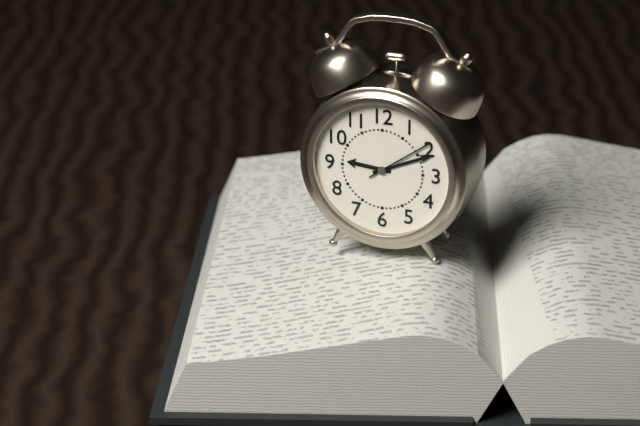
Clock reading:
**9:11:09**
